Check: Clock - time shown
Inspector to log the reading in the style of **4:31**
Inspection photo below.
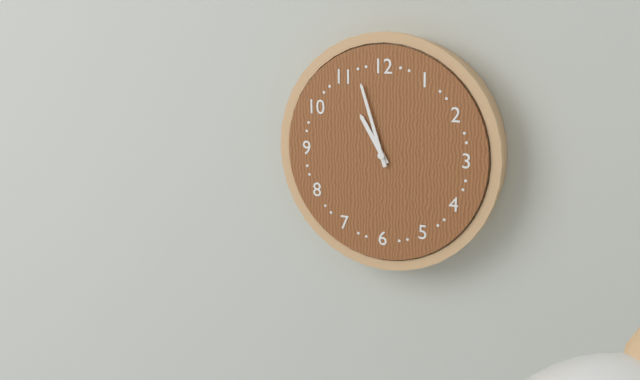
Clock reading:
**10:57**
